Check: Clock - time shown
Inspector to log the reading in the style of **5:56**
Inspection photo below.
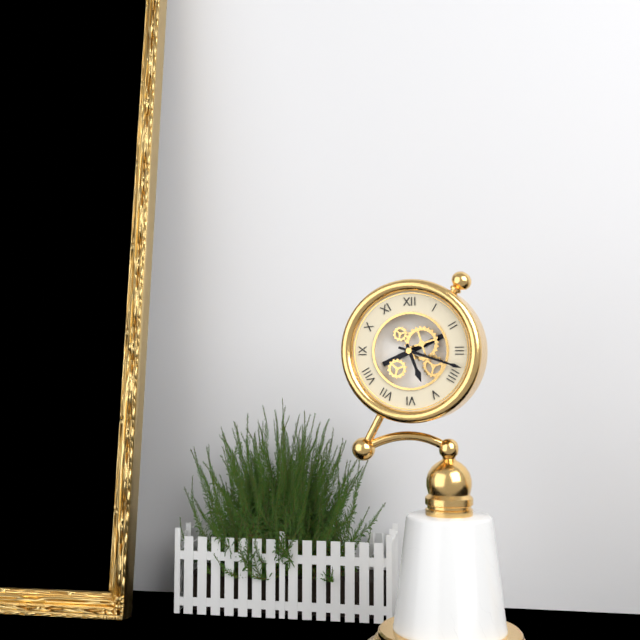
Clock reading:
**5:18**
